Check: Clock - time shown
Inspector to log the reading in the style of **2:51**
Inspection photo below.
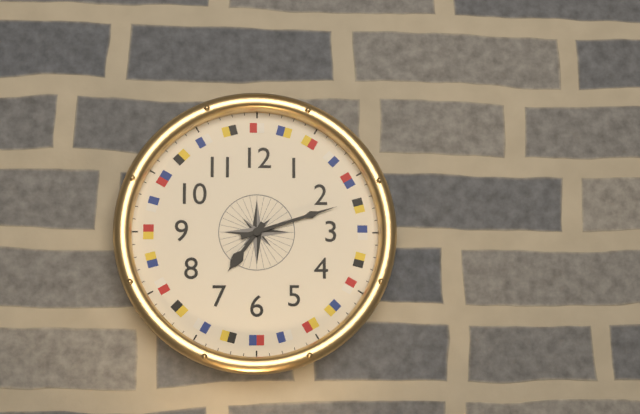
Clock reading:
**7:12**
